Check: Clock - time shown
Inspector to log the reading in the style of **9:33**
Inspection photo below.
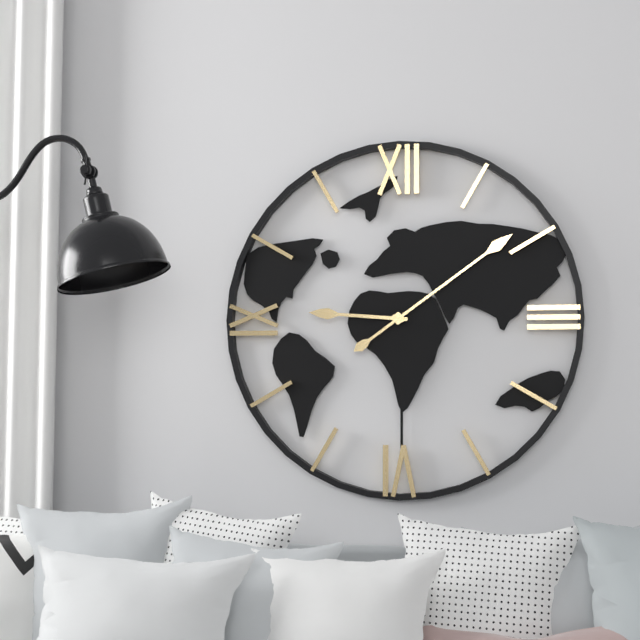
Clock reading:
**9:09**
